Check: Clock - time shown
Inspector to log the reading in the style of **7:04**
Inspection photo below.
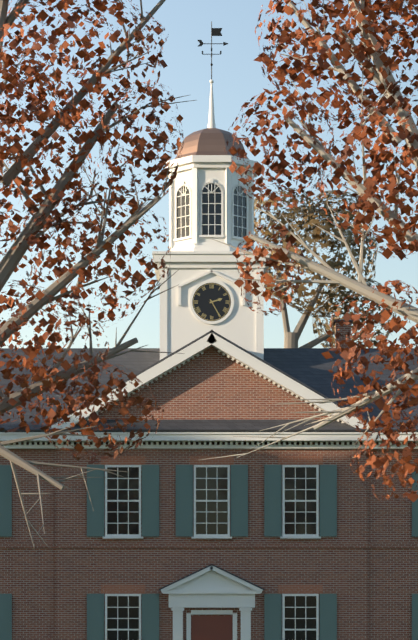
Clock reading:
**2:25**
